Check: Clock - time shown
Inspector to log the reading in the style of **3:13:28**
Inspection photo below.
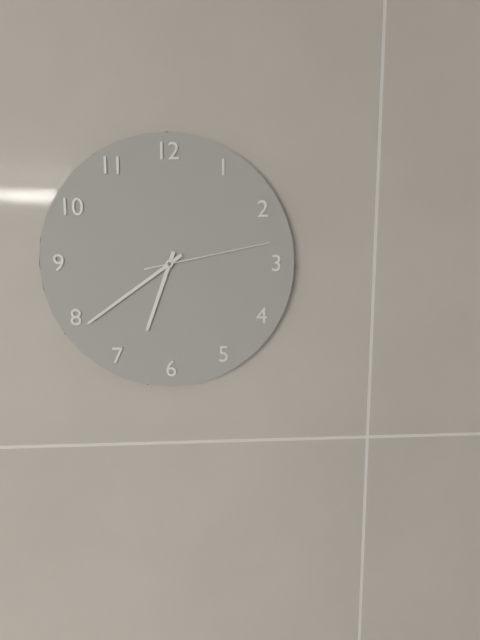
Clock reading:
**6:39:13**
